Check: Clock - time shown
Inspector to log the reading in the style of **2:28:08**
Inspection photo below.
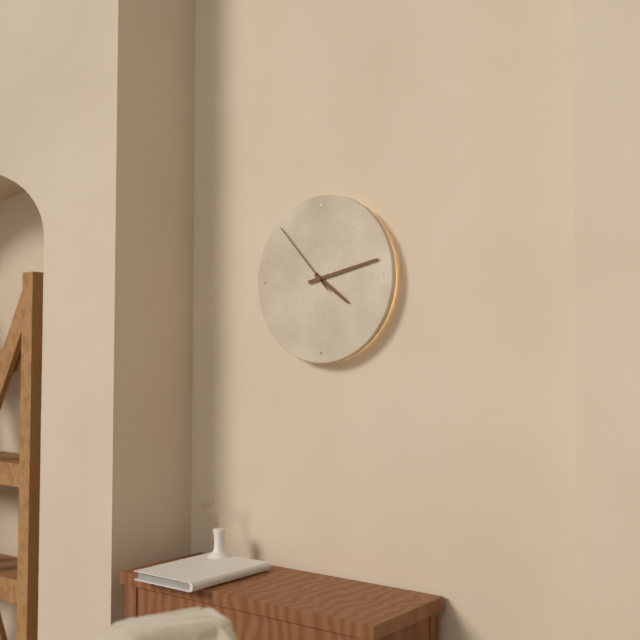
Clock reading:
**4:13:53**
